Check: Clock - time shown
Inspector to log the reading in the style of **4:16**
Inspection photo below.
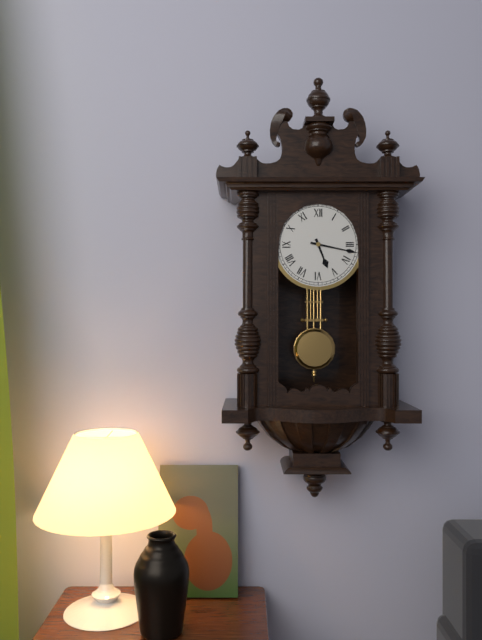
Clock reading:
**5:17**
